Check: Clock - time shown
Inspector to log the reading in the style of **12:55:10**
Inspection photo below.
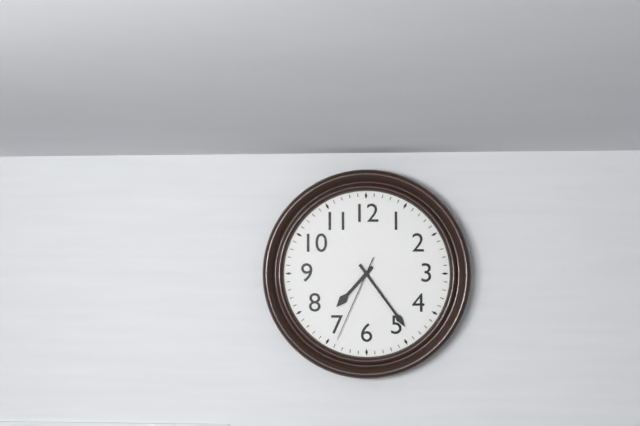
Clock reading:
**7:24:34**
